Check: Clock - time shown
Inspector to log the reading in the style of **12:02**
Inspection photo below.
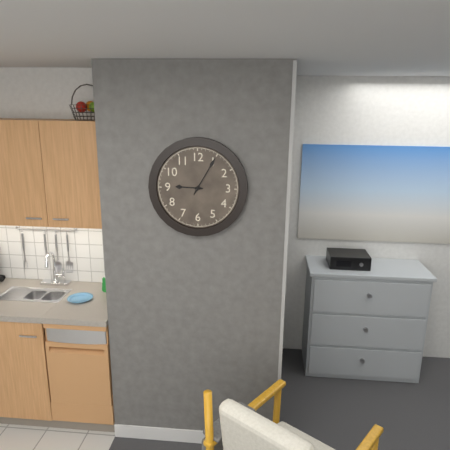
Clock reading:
**9:05**
